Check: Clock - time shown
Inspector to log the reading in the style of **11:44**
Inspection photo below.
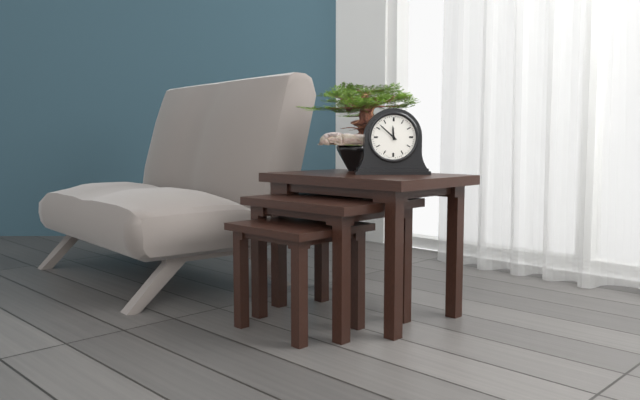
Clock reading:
**11:52**
